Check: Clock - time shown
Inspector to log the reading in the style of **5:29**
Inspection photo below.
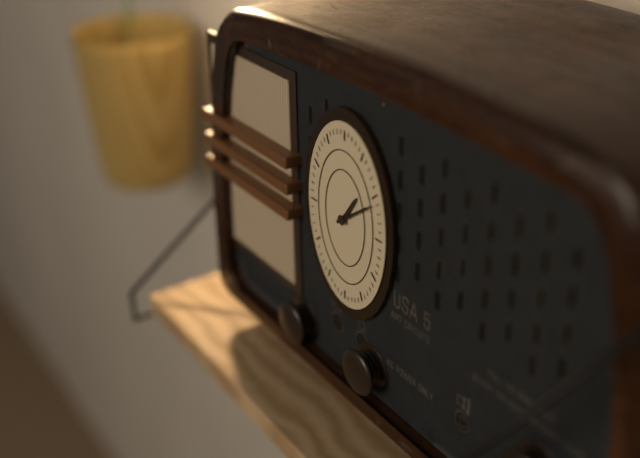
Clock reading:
**1:09**
